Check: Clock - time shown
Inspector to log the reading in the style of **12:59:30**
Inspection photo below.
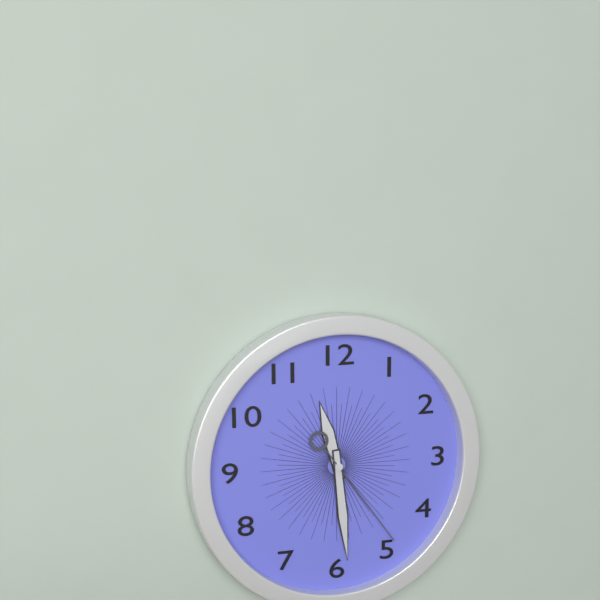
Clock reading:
**11:29:24**
